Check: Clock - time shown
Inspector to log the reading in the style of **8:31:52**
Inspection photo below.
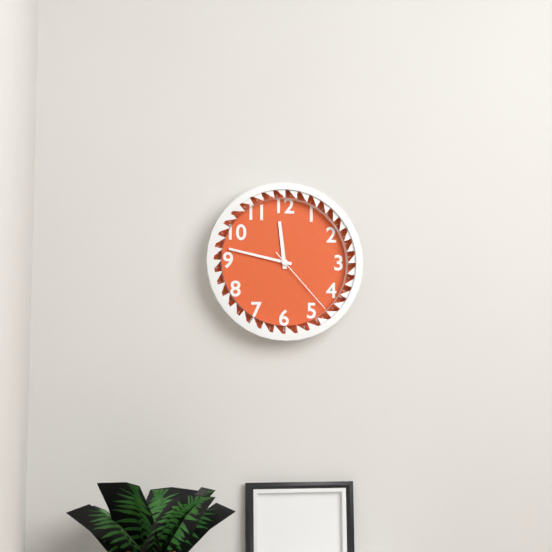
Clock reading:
**11:47:23**
